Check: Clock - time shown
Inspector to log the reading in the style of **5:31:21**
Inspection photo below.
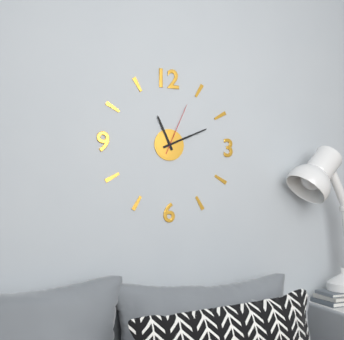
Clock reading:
**11:11:04**
